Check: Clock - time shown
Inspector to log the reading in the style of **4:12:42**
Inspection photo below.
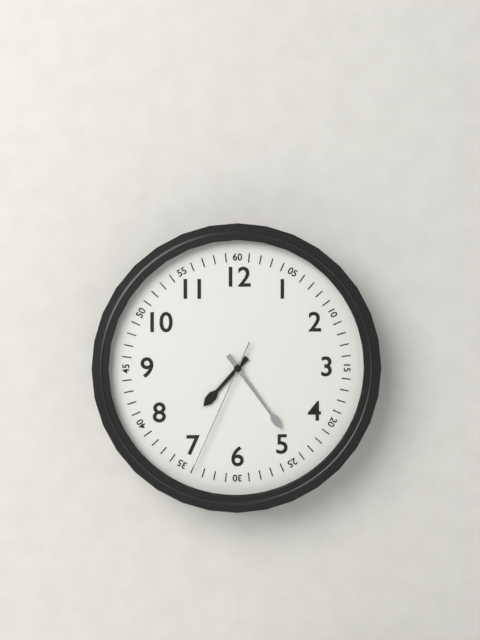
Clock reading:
**7:24:34**
